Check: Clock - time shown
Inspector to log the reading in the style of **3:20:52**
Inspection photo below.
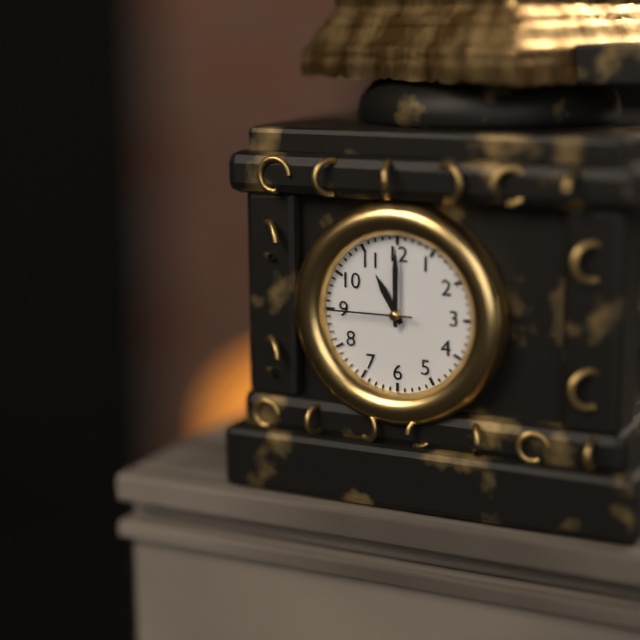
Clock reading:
**11:00:45**
